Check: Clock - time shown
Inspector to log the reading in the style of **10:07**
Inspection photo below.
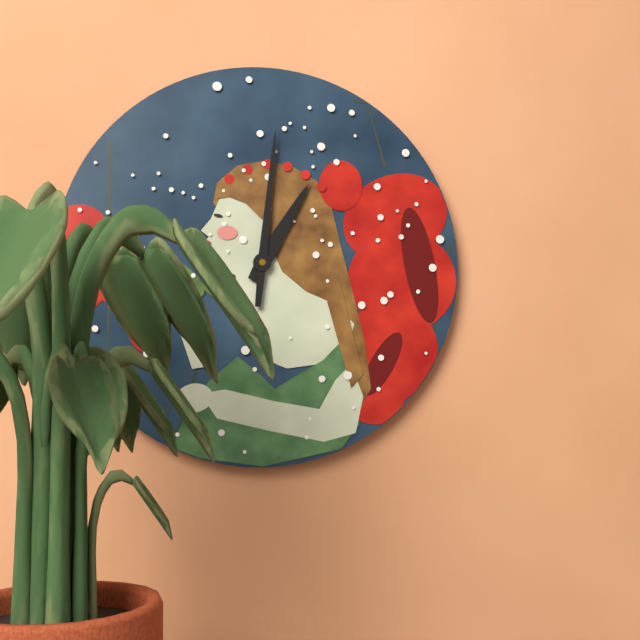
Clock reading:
**1:01**
